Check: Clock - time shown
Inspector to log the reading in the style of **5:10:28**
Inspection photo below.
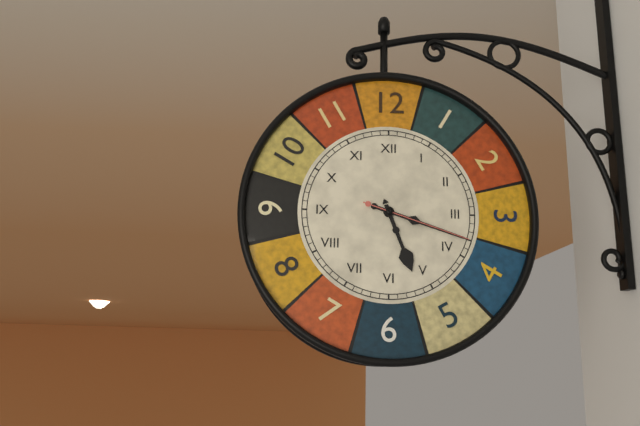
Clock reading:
**5:18:18**
